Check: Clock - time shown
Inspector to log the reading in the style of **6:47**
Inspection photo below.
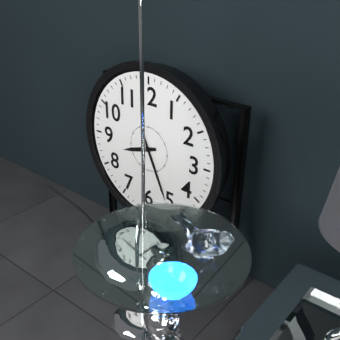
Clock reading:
**8:26**
